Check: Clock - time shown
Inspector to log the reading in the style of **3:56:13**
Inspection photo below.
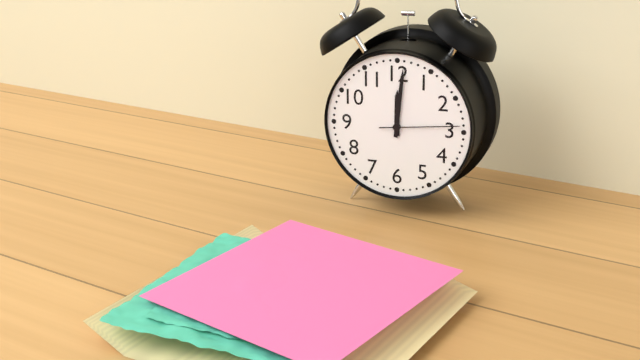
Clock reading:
**12:01:14**
